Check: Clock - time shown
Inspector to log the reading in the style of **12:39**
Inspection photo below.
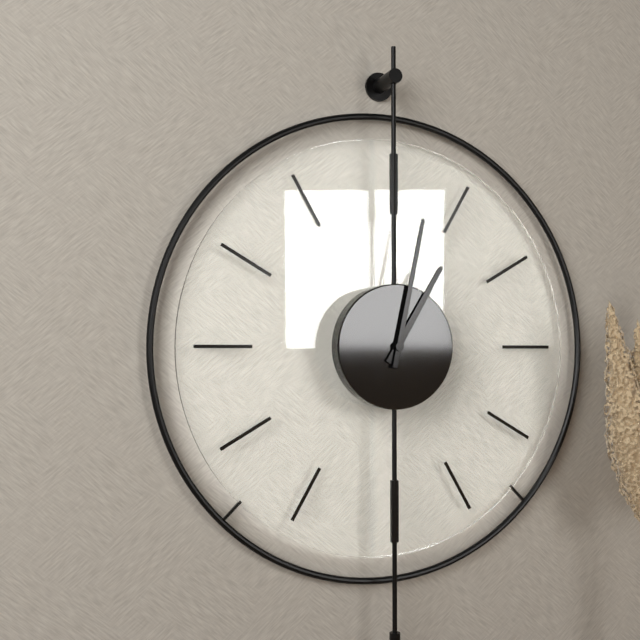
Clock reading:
**1:02**
